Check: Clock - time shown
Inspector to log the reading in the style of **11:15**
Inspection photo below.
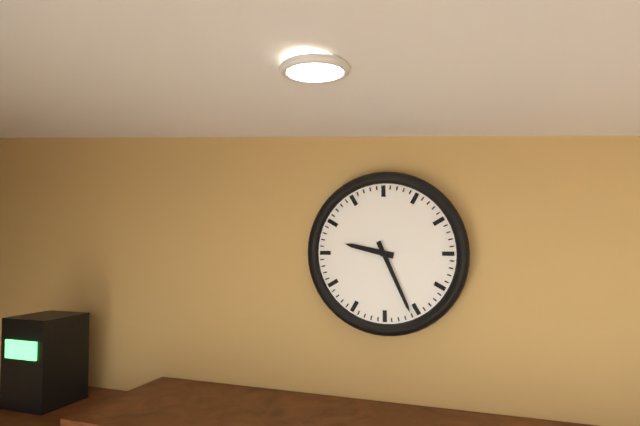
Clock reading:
**9:26**
